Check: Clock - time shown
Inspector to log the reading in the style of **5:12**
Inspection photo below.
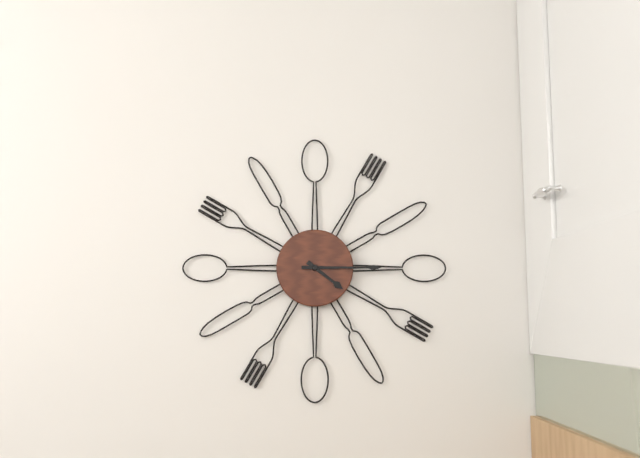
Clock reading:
**4:15**
